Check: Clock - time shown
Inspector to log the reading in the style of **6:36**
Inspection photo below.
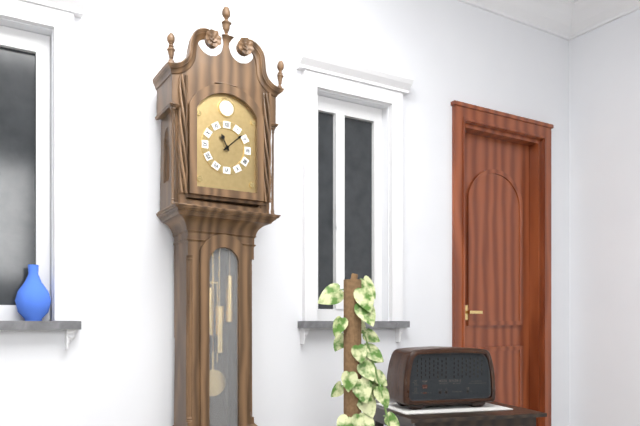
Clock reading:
**11:08**
